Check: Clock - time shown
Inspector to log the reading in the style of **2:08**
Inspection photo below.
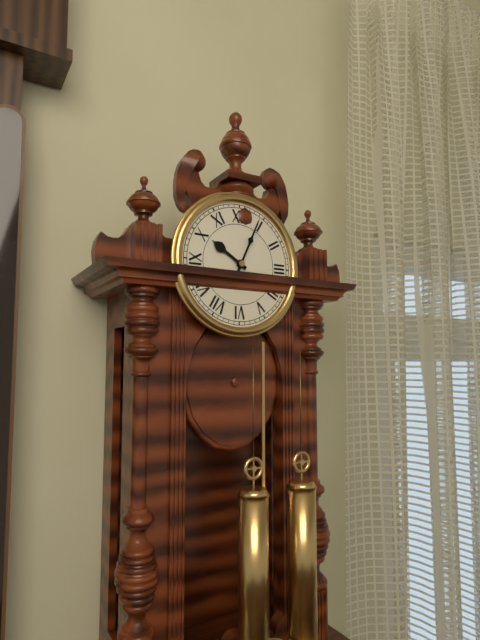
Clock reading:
**10:04**
